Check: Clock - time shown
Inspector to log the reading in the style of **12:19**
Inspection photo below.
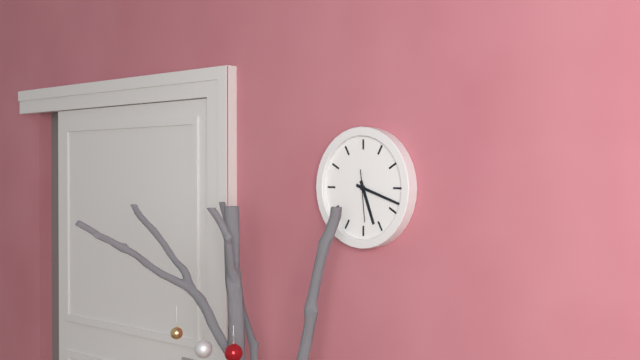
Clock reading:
**5:18**
